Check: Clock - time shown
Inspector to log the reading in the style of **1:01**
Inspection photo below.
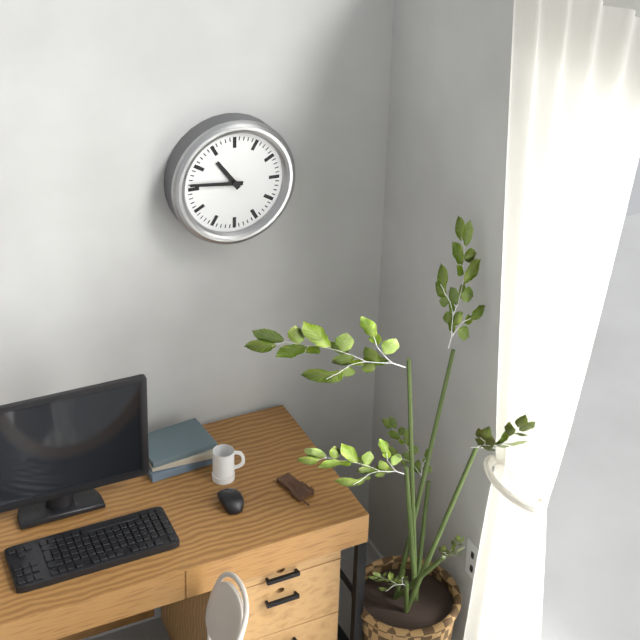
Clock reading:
**10:46**
